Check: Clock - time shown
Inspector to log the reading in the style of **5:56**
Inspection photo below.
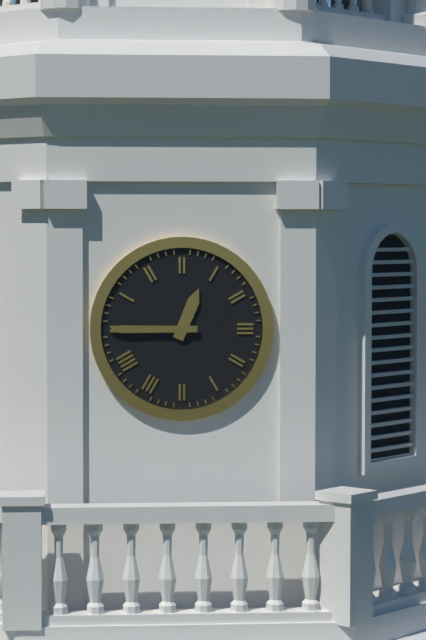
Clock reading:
**12:45**
